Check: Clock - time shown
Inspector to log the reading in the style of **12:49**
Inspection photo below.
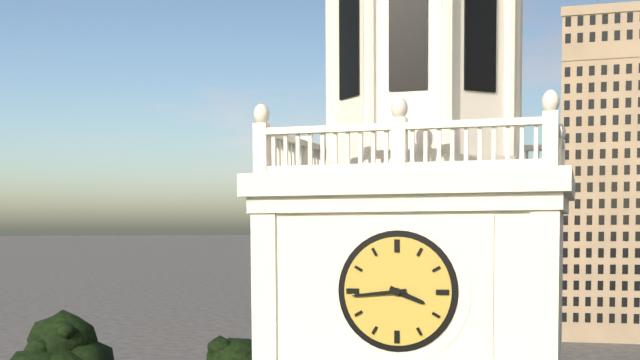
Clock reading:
**3:44**
